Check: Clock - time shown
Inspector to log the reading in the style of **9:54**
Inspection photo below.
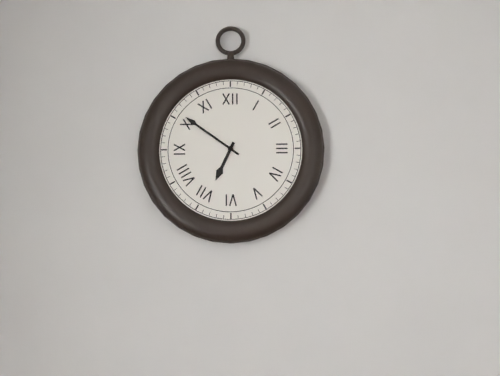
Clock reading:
**6:51**
